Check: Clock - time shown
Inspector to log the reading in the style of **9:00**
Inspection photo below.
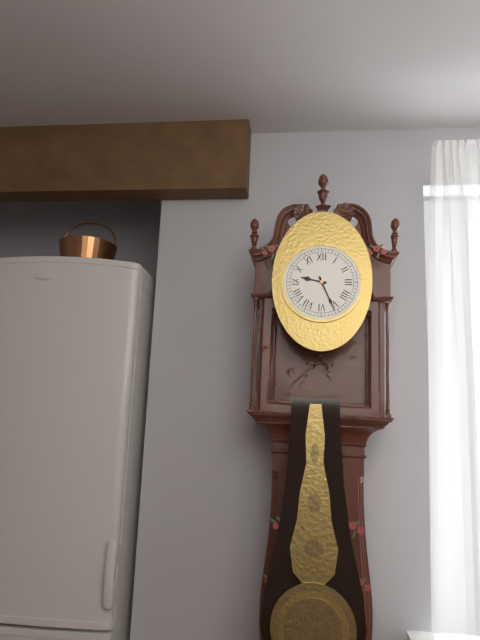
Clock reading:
**9:26**
